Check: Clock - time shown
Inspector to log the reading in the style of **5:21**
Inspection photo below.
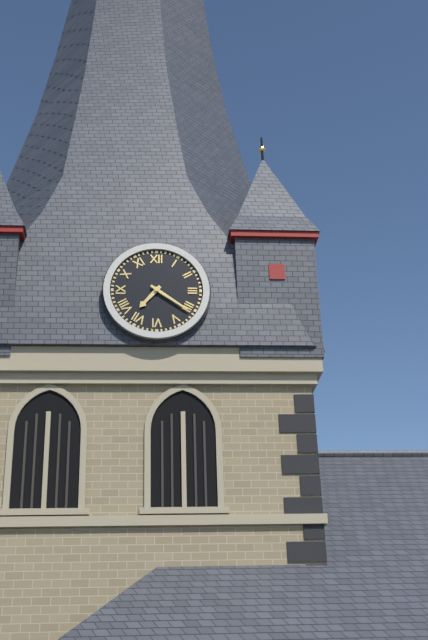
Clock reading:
**7:21**
